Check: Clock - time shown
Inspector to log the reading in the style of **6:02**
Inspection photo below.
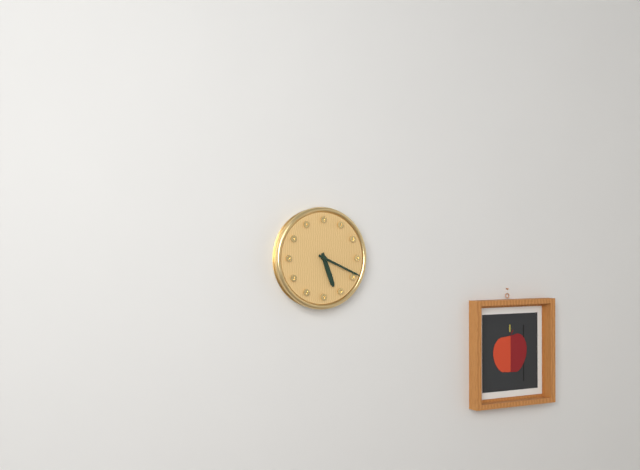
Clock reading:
**5:19**
